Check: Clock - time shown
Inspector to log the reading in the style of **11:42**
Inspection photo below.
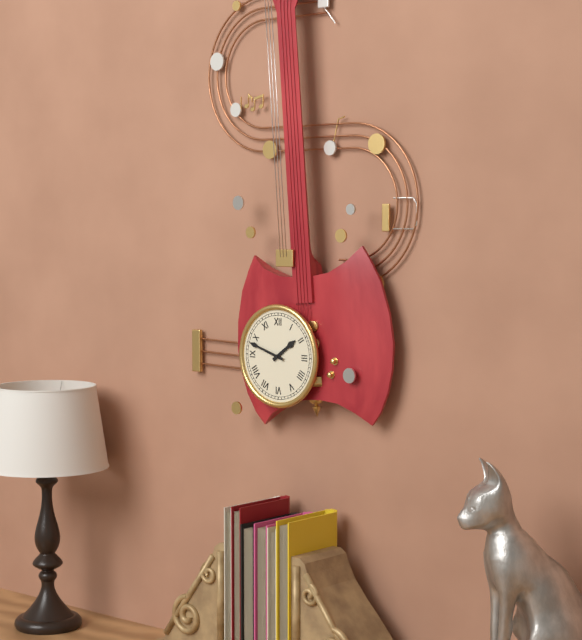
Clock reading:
**1:48**
